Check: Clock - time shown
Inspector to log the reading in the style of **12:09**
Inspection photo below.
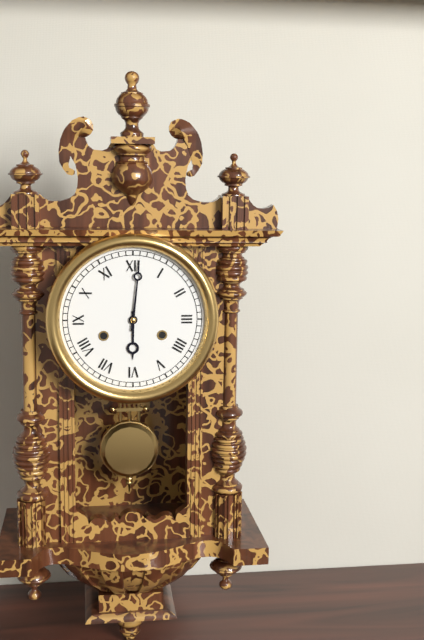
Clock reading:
**6:01**
